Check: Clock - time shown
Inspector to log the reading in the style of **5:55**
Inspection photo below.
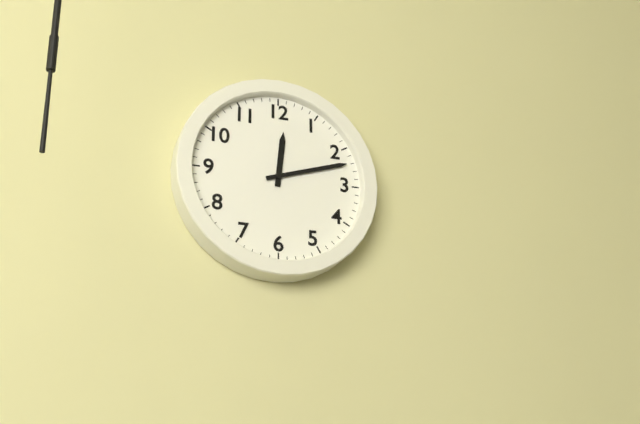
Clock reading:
**12:12**
